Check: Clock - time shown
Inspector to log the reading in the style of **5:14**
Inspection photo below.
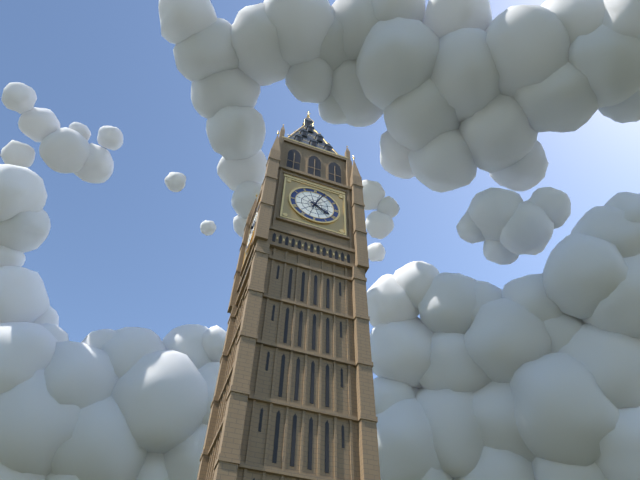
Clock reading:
**4:04**
